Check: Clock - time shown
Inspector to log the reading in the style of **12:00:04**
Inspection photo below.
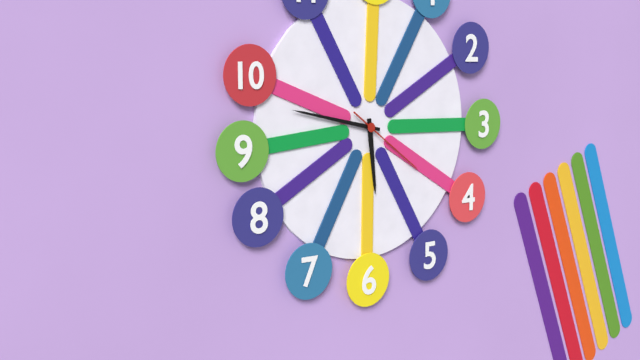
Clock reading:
**5:47:21**
